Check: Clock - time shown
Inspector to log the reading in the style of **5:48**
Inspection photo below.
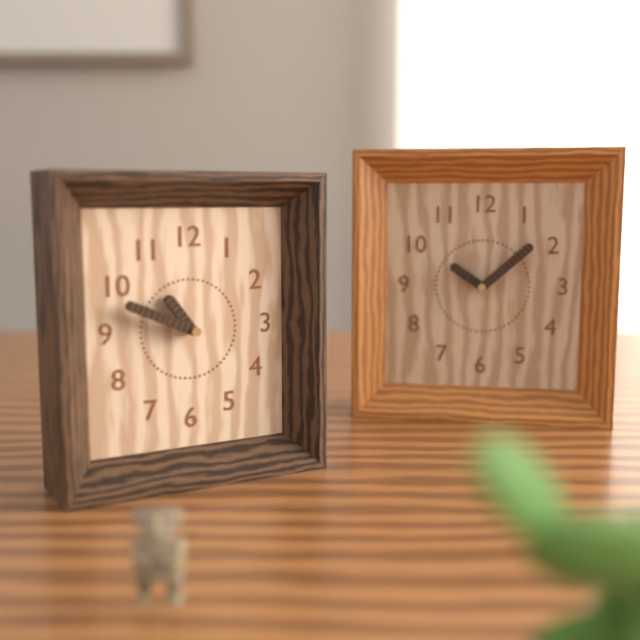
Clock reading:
**10:49**
